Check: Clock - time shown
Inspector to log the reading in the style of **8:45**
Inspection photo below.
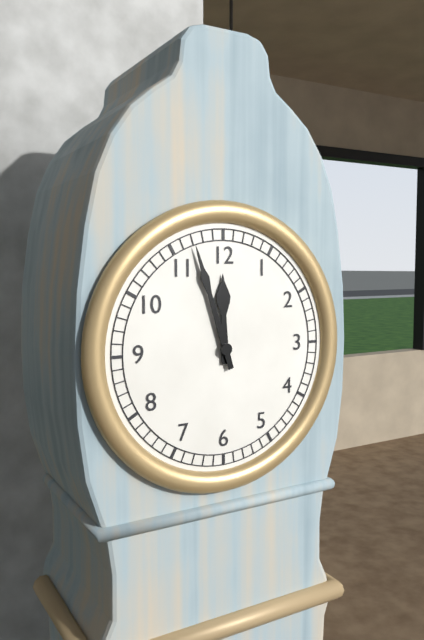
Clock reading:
**11:57**
